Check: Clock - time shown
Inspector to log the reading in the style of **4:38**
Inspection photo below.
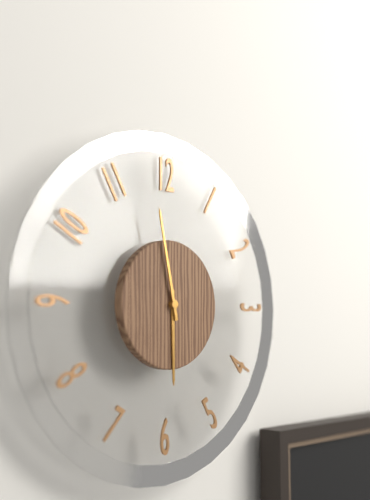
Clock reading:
**5:58**
